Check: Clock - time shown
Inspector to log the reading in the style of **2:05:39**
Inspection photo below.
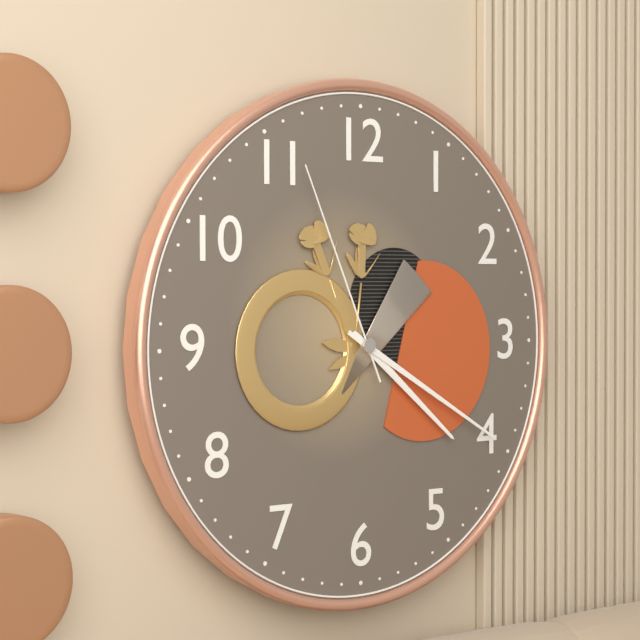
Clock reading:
**4:20:56**
